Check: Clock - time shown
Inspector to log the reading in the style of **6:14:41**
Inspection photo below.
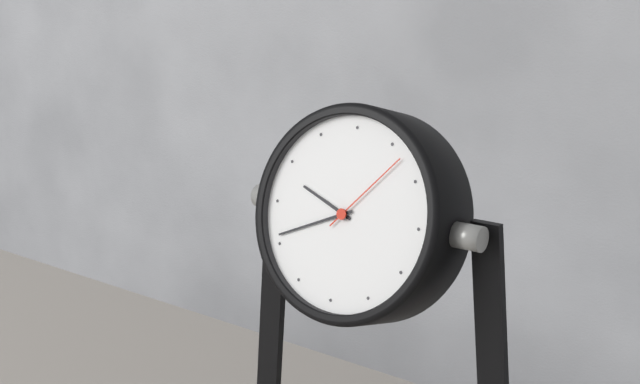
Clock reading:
**9:41:07**
